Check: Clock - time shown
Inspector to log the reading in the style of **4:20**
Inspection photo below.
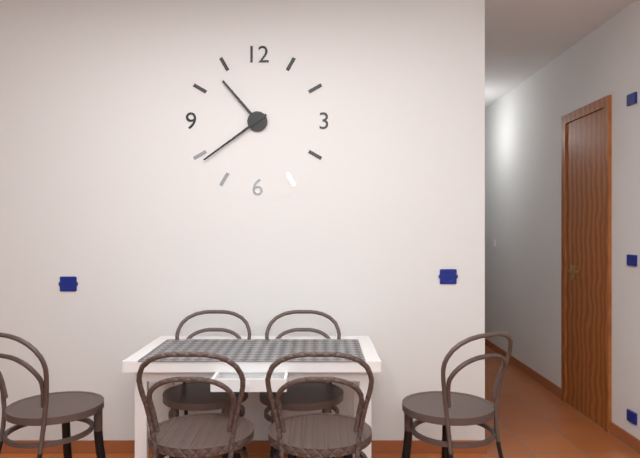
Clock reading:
**10:39**
